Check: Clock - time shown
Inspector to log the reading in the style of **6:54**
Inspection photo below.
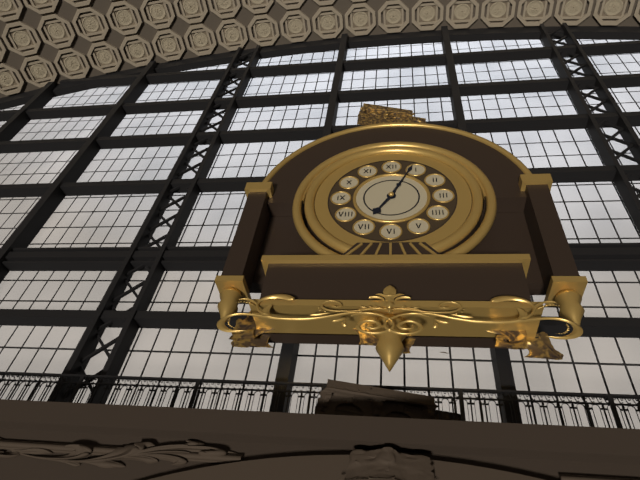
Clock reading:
**7:04**
